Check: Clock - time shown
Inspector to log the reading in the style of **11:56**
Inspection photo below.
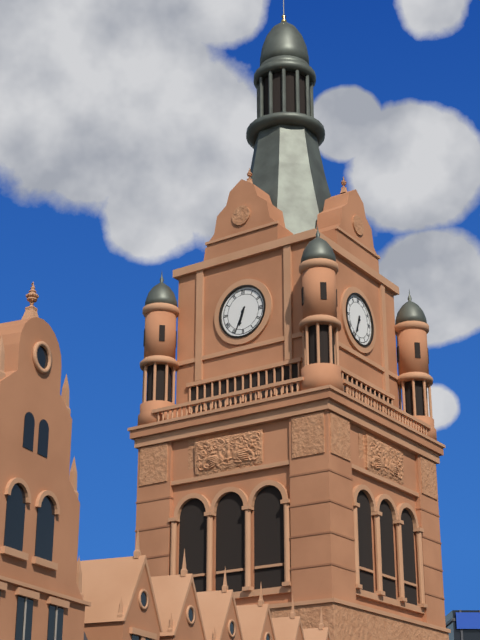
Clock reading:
**6:34**
